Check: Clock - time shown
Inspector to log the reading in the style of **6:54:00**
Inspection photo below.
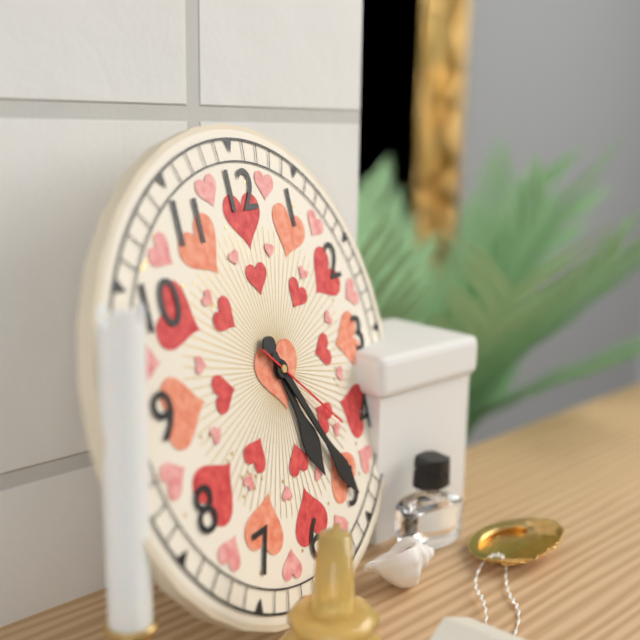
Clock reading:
**5:25:22**
